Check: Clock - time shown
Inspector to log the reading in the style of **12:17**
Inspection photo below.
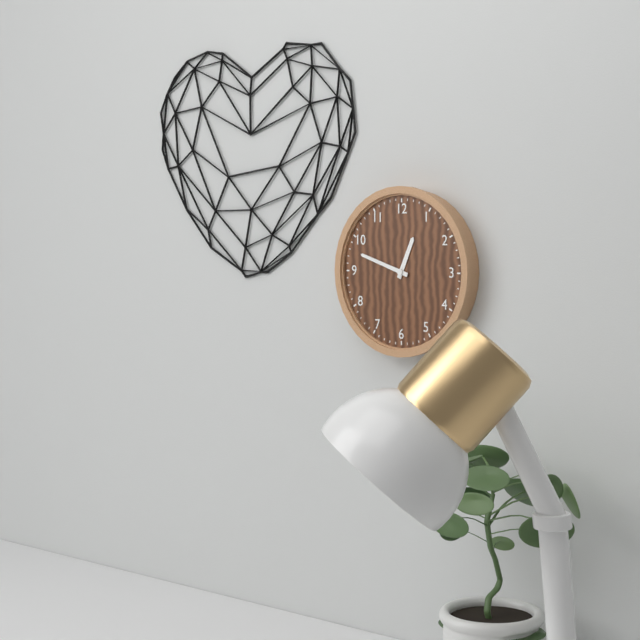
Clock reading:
**12:48**
